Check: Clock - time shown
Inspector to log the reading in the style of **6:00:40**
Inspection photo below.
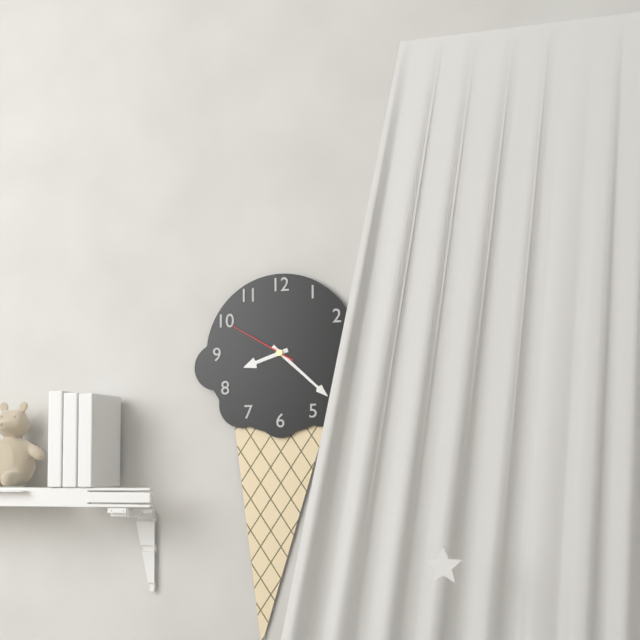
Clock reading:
**8:22:50**
